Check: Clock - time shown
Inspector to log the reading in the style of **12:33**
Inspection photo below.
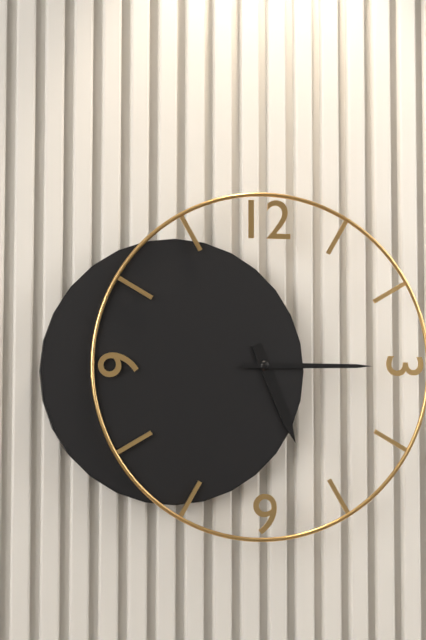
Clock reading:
**5:15**
